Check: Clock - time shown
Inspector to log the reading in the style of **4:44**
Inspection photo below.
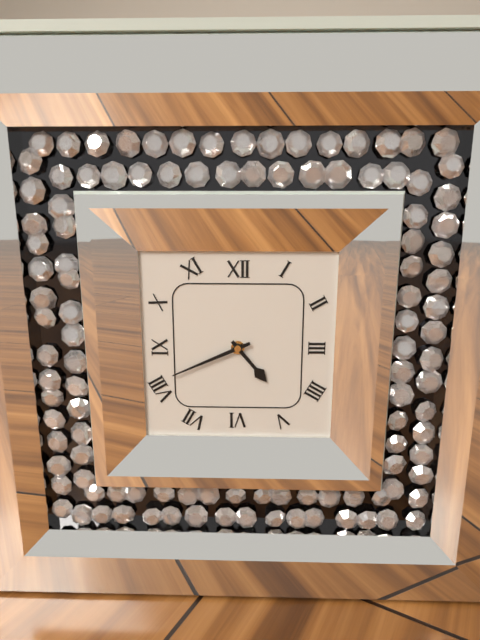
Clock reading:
**4:41**
